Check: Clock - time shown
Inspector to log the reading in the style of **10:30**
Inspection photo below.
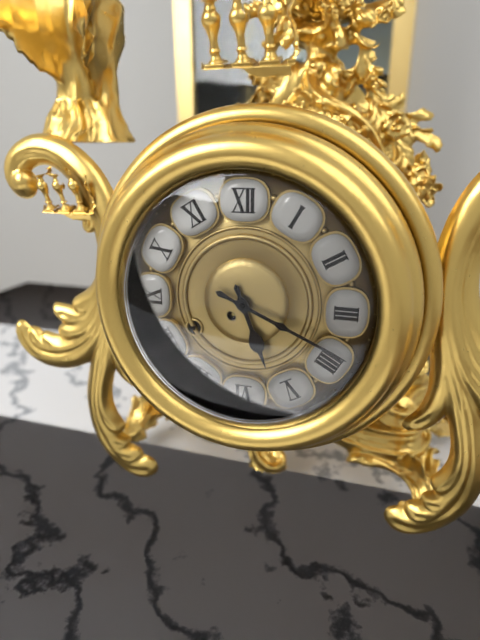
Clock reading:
**5:19**
